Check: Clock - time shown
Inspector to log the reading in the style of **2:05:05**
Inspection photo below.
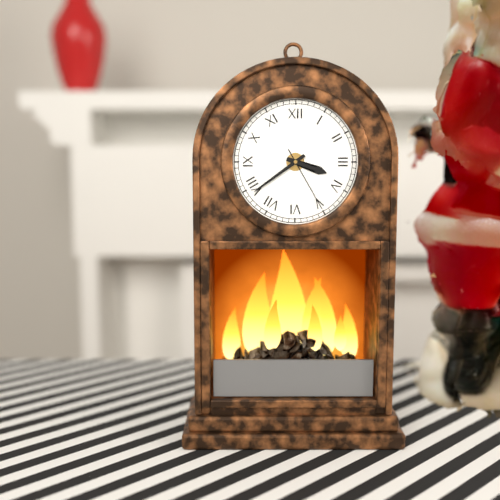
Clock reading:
**3:39:25**
